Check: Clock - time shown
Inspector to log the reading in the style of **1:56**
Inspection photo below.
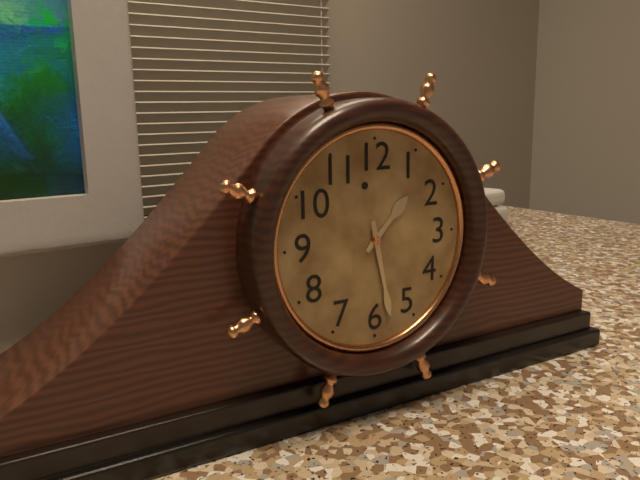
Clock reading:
**1:28**
